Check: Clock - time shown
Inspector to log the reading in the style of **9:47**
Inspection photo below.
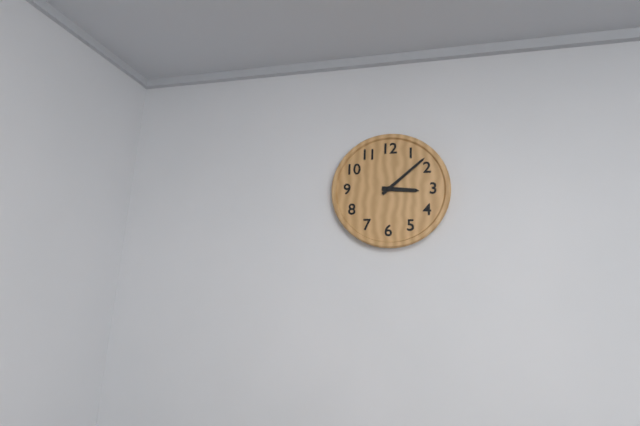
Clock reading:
**3:08**
